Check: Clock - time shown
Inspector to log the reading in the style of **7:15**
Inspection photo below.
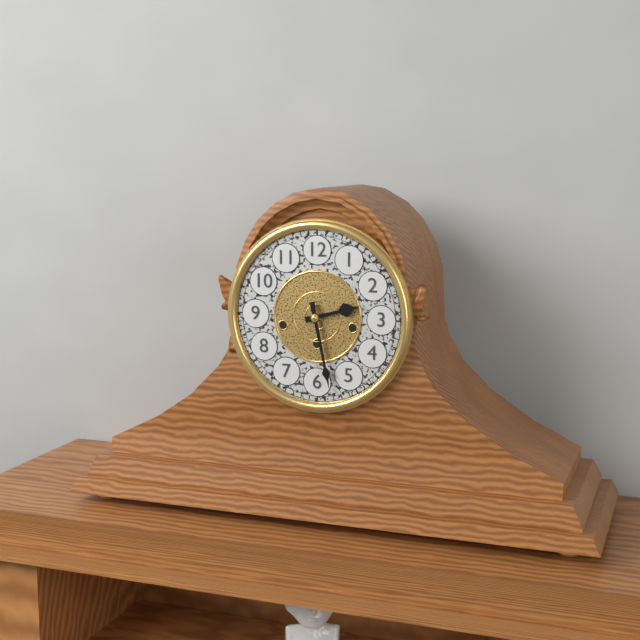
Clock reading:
**2:28**
